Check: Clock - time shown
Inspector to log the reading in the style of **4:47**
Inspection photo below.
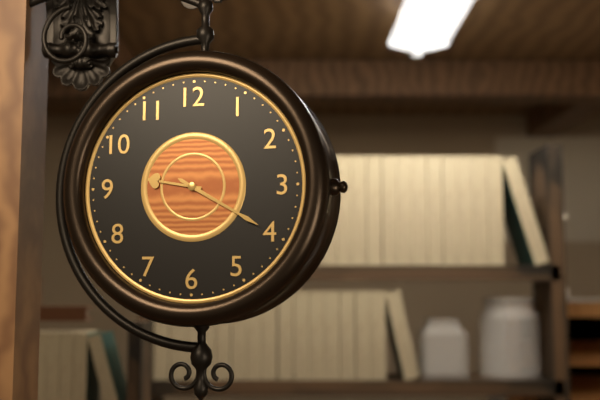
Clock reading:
**9:20**
